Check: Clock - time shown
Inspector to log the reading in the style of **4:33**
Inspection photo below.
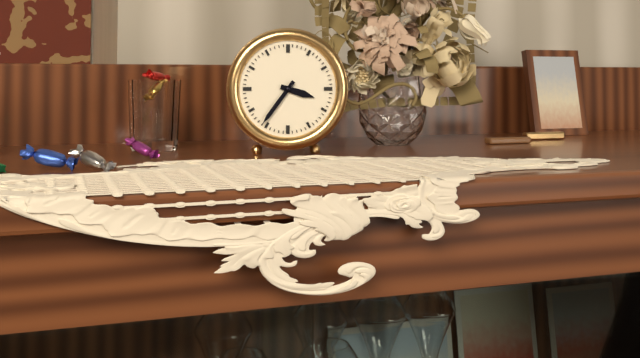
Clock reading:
**3:36**
